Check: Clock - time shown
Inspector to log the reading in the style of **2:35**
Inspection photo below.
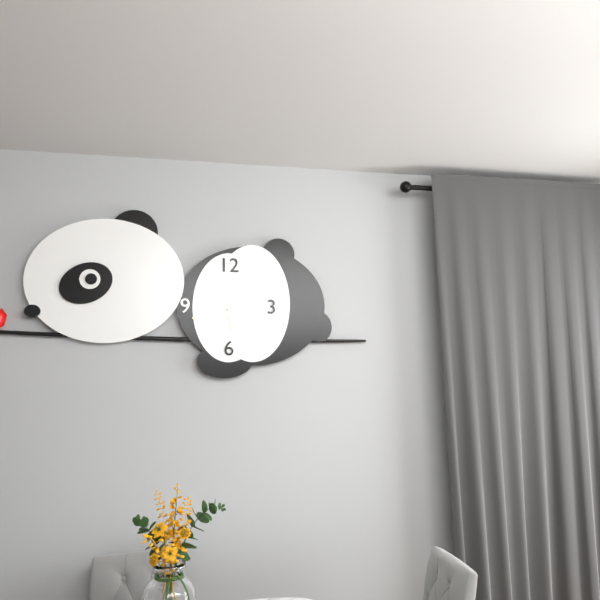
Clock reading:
**5:42**
